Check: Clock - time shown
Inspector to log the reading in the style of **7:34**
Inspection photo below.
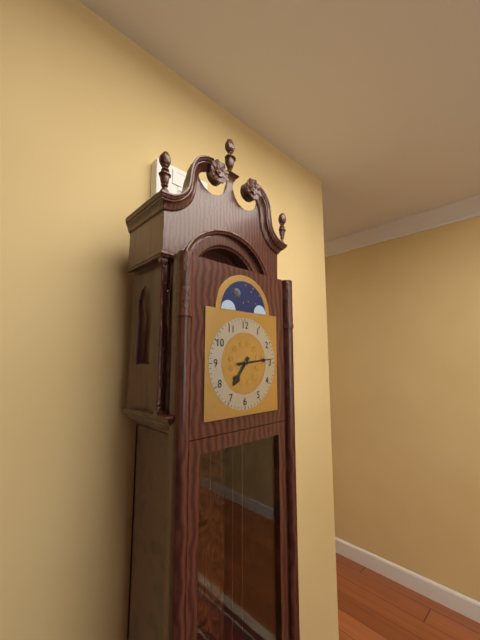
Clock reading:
**7:14**
